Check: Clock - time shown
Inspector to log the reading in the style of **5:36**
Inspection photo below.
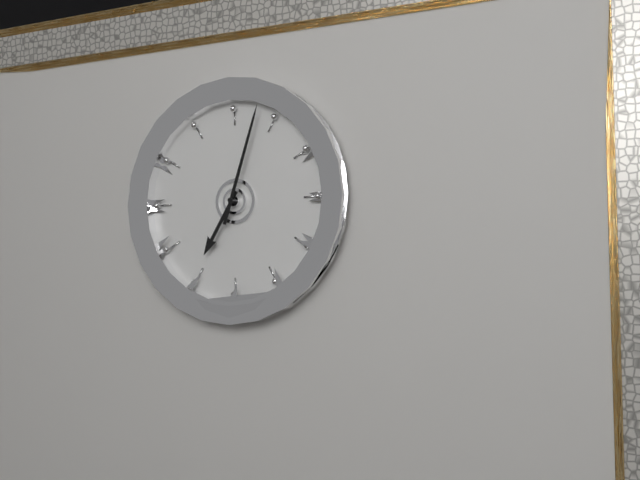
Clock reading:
**7:03**
